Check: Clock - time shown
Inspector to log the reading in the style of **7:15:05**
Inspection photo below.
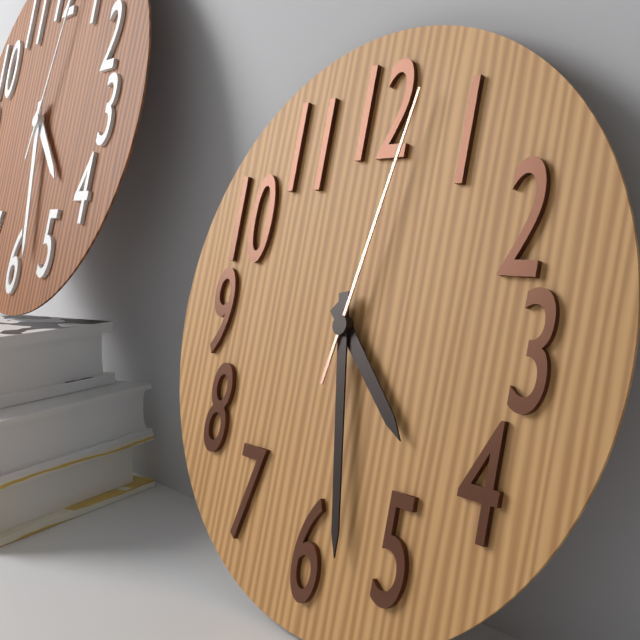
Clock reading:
**4:28:02**
